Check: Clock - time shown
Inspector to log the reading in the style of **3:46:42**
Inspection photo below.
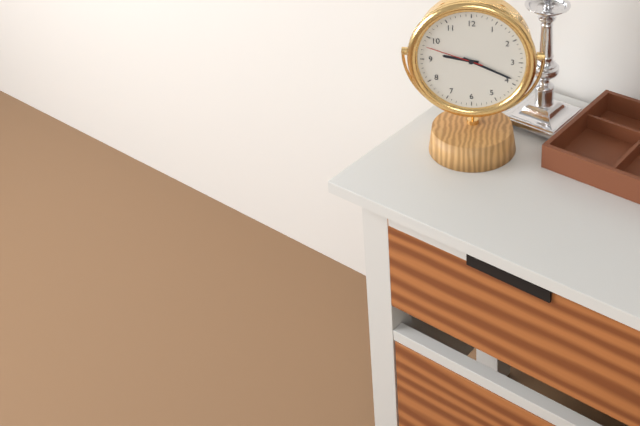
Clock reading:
**9:19:48**
